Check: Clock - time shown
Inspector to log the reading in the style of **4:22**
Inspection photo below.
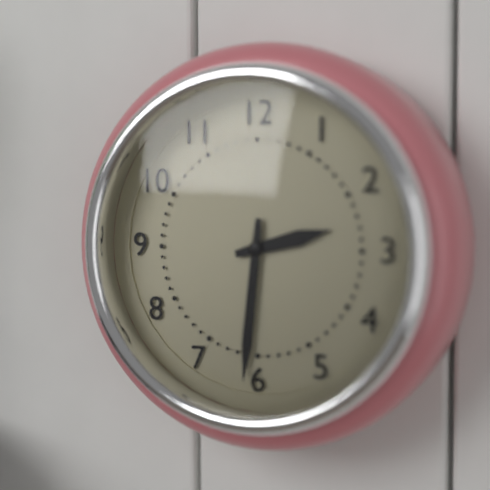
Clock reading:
**2:31**
